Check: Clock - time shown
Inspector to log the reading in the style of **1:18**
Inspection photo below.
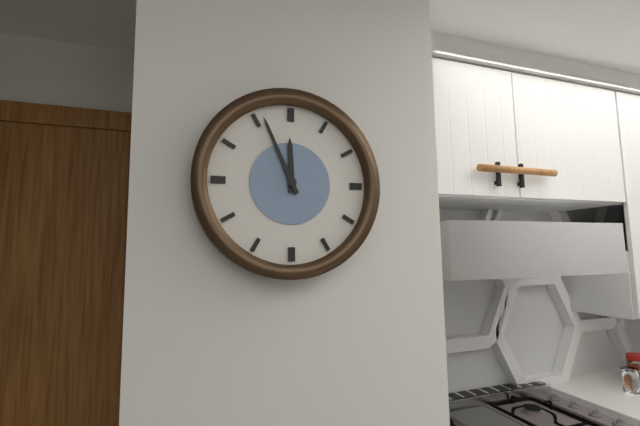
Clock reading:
**11:56**
